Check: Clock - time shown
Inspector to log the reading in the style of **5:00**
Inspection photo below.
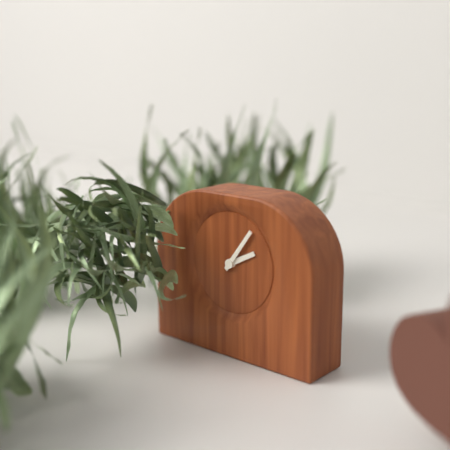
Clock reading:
**2:06**
